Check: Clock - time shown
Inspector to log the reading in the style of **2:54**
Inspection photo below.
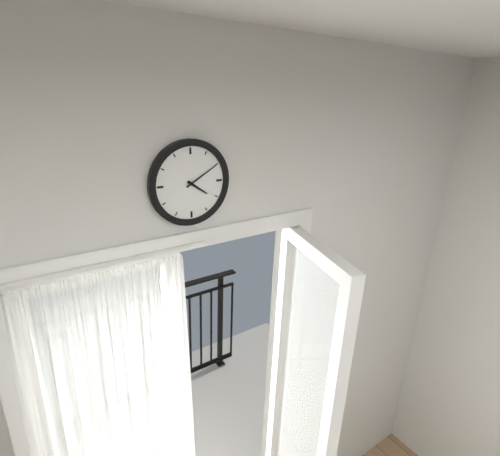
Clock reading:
**4:10**
